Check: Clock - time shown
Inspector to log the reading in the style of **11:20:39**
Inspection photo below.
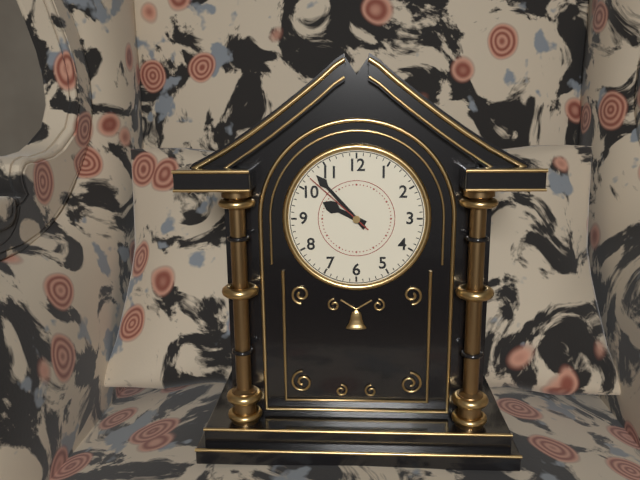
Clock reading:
**9:53:52**
